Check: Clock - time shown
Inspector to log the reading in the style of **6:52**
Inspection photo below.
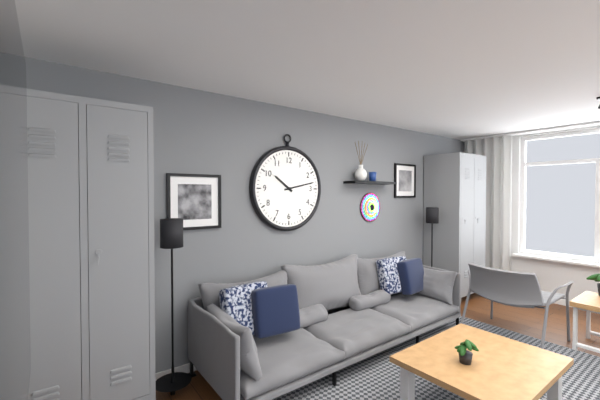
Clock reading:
**10:13**
